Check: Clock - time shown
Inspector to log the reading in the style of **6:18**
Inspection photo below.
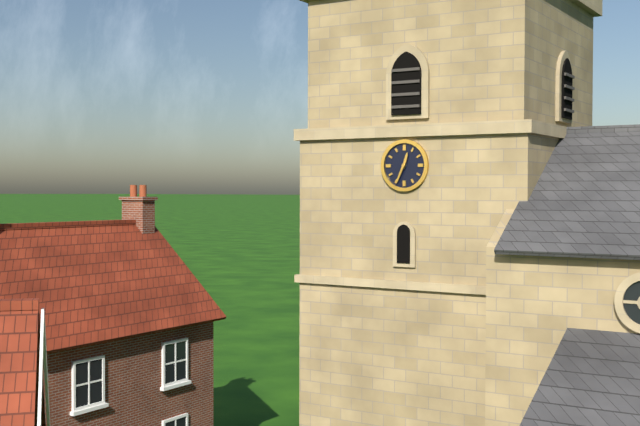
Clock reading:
**12:34**
